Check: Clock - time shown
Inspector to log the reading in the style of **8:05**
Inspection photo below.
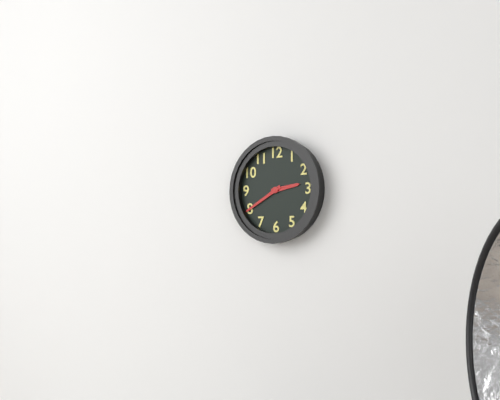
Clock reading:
**2:40**
